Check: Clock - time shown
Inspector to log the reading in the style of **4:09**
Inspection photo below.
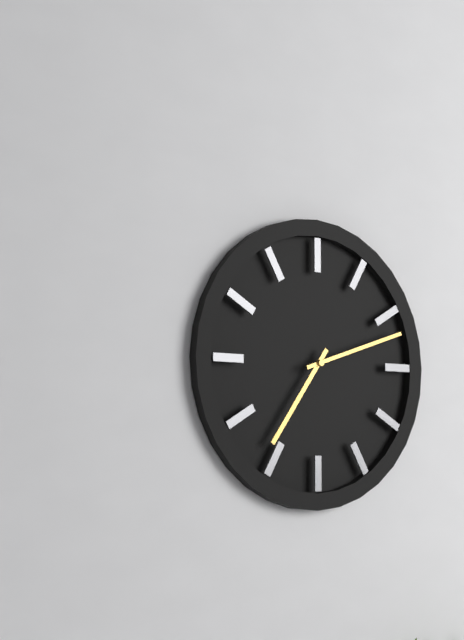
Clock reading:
**7:12**
